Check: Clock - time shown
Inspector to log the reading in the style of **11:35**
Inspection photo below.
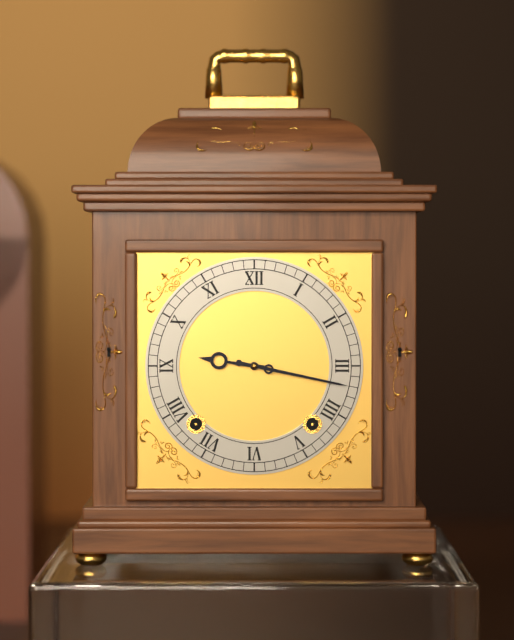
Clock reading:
**9:17**
